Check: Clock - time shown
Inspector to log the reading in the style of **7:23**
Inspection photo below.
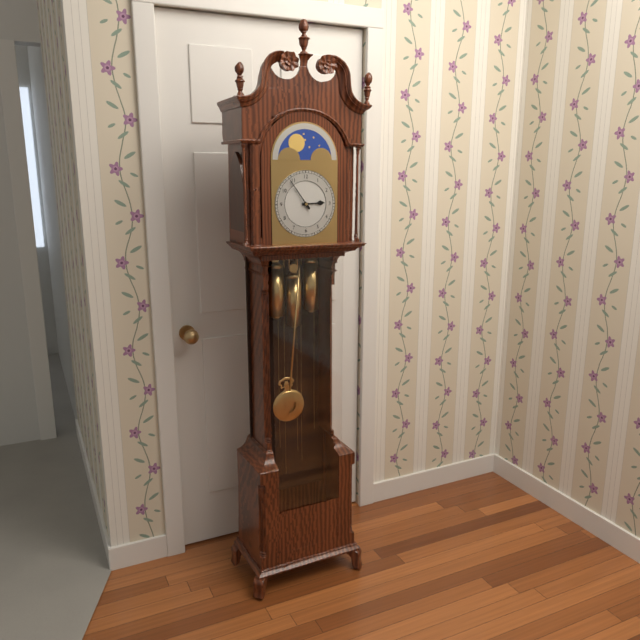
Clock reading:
**2:54**
